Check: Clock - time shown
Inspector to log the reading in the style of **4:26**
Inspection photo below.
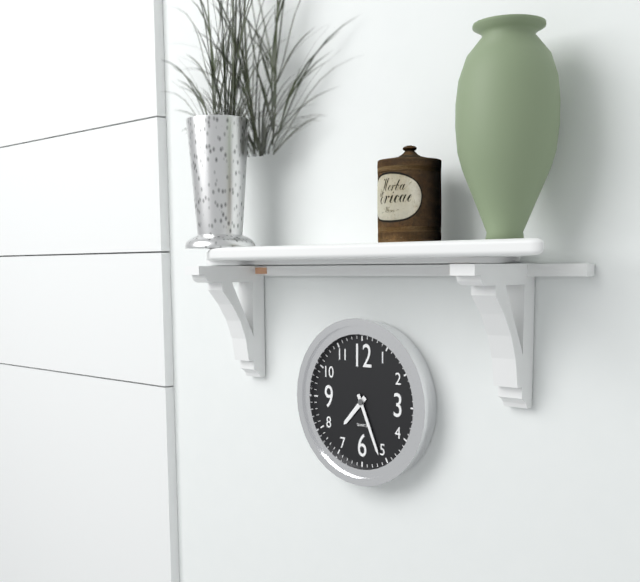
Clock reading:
**7:26**
